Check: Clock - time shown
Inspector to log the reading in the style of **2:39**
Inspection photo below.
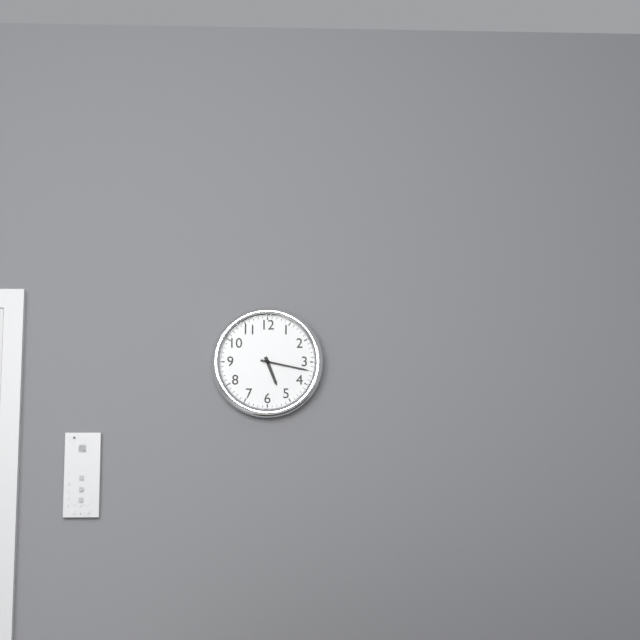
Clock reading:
**5:17**
